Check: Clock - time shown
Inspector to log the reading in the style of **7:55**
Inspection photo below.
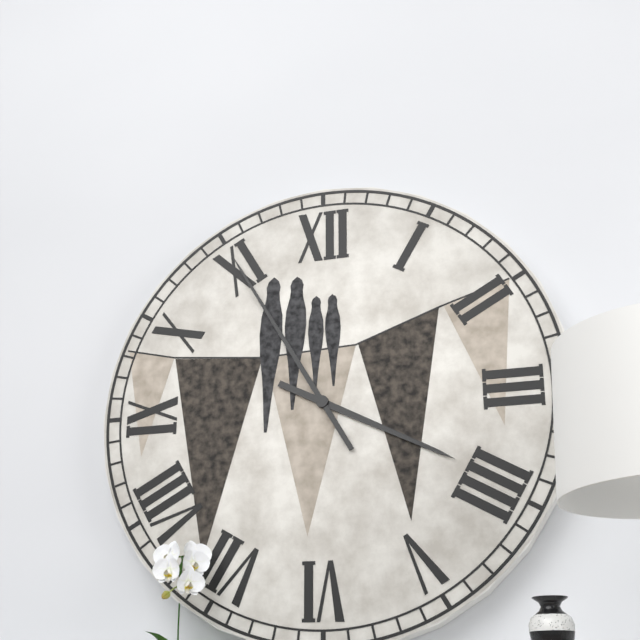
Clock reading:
**3:55**
